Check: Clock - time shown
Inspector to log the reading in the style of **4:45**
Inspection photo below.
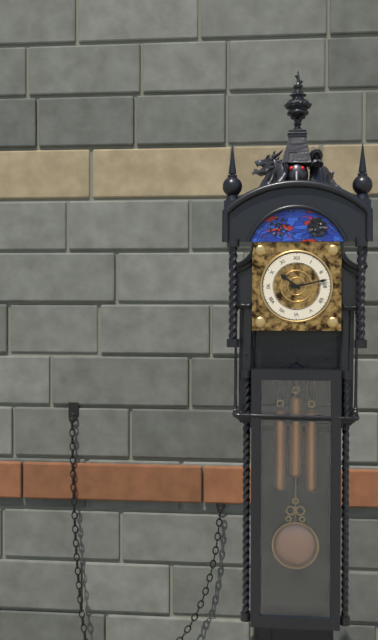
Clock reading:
**10:13**
